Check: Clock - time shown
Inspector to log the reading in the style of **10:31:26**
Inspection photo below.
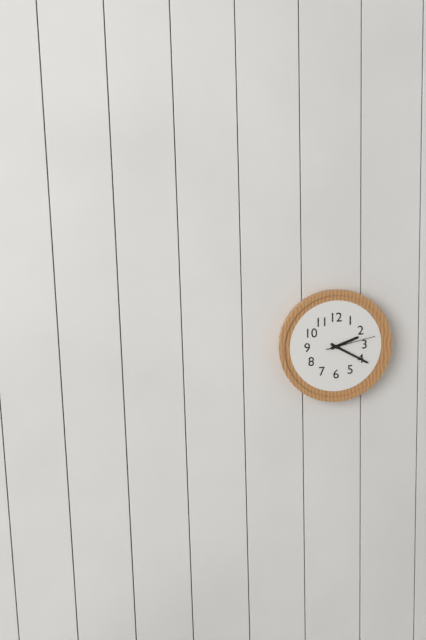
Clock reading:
**2:20:13**
